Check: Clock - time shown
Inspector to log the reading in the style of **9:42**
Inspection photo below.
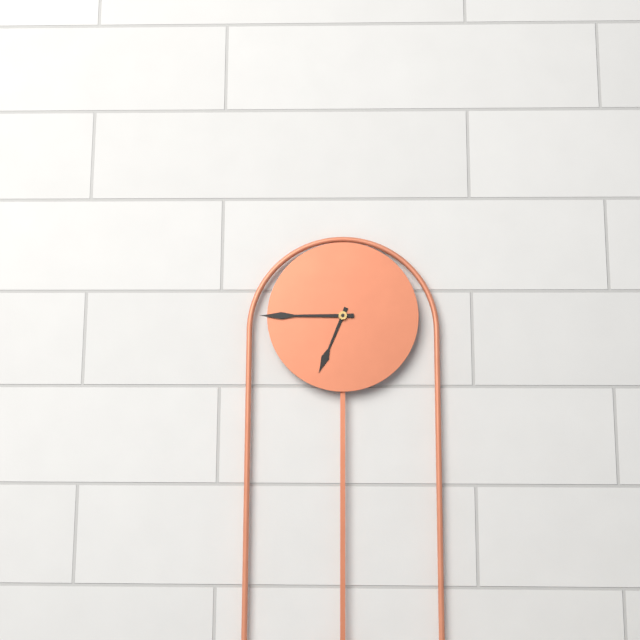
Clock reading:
**6:45**
